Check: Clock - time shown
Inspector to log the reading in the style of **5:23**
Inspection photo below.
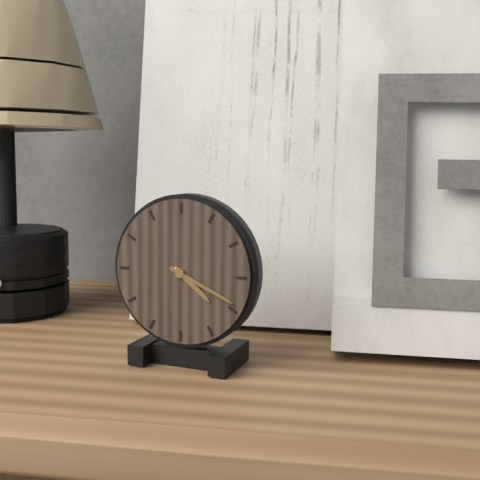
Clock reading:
**4:19**
